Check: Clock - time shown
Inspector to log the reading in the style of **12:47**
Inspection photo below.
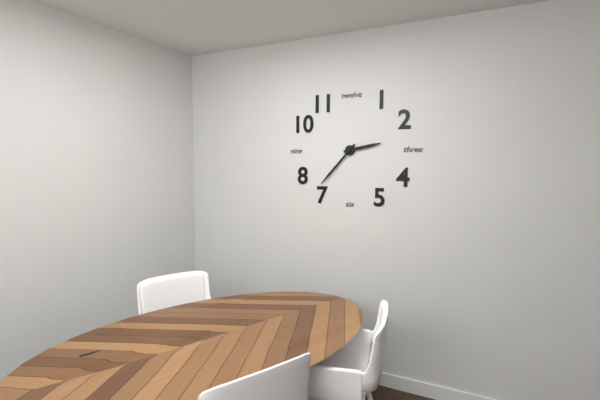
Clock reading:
**2:37**
